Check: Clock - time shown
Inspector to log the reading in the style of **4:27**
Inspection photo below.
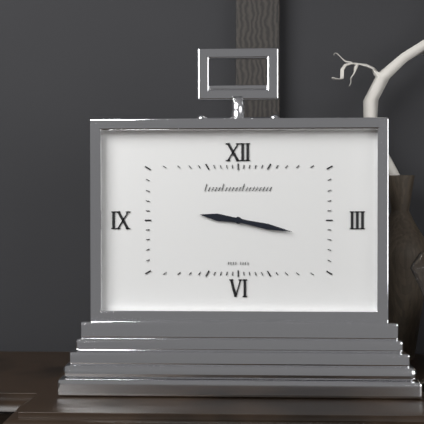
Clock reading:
**9:17**
